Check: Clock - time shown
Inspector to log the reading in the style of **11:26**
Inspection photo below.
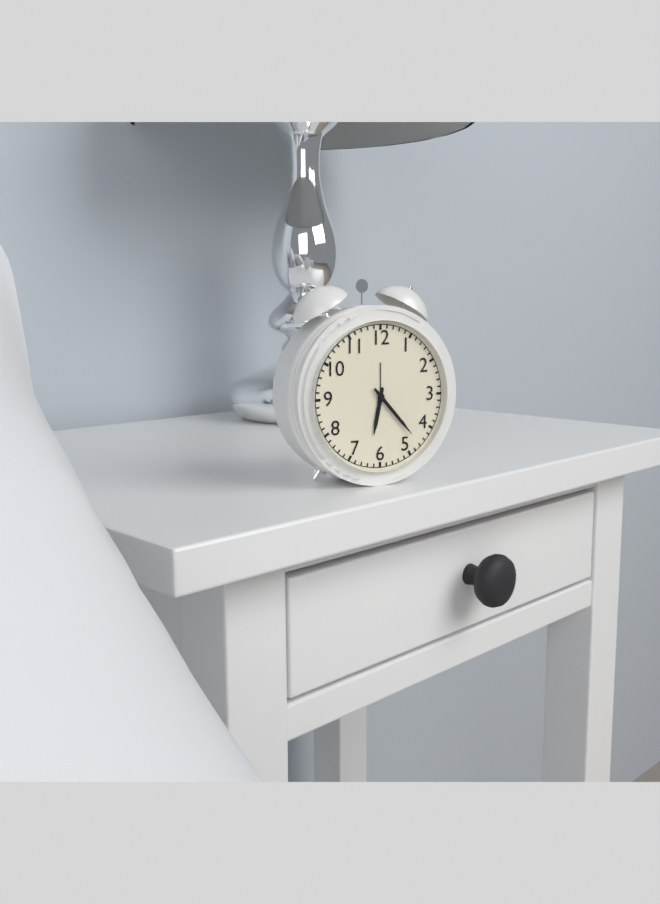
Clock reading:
**6:23**
